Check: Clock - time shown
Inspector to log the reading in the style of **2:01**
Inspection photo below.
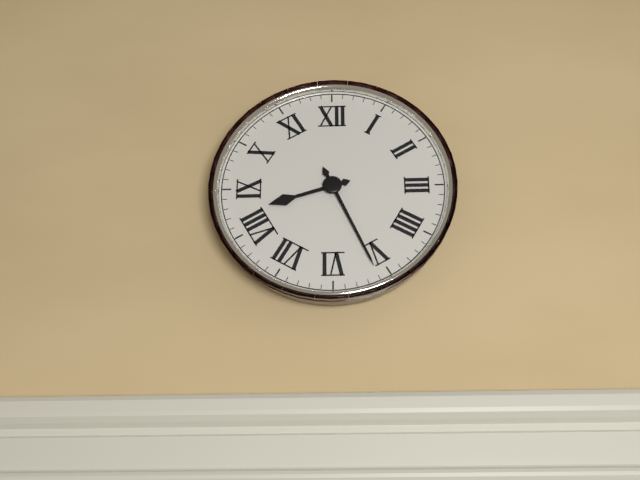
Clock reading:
**8:26**
